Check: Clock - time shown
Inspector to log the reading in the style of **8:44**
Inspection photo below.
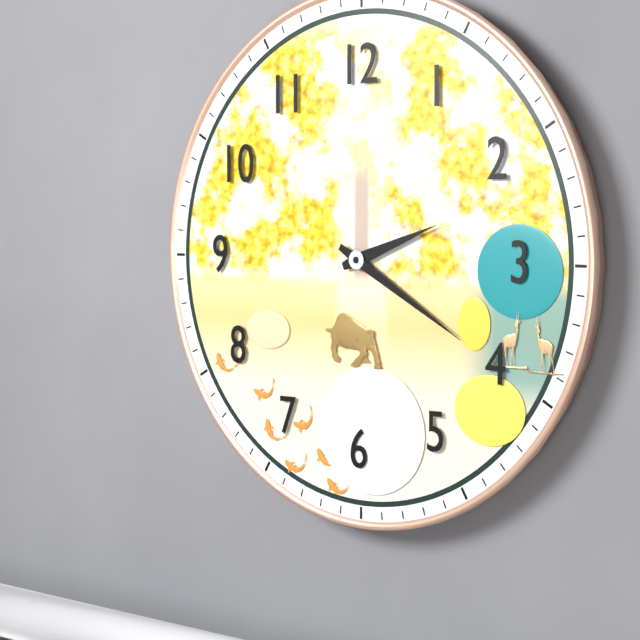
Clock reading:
**2:20**
